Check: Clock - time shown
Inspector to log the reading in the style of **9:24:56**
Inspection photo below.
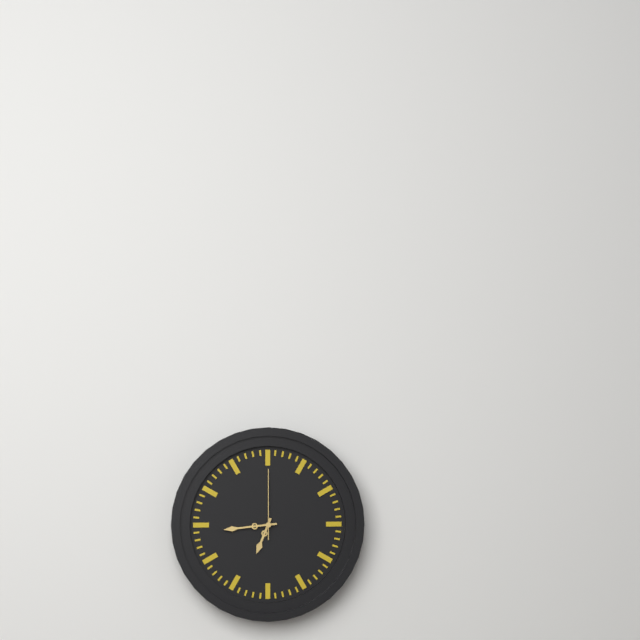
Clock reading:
**6:44:00**
